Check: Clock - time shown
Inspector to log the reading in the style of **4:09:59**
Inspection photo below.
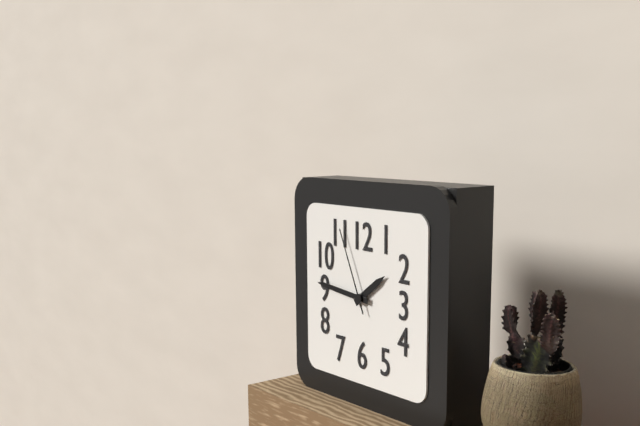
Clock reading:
**1:46:56**
